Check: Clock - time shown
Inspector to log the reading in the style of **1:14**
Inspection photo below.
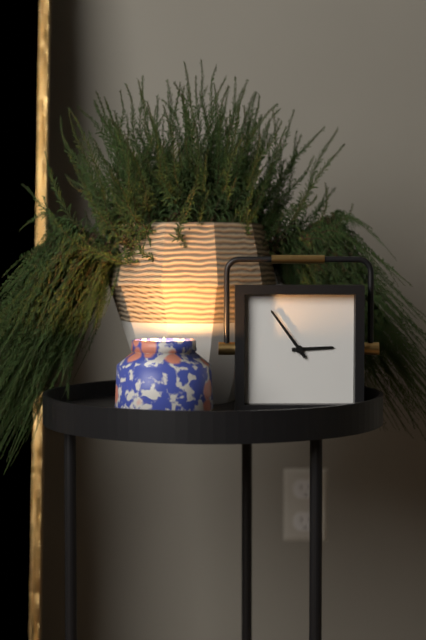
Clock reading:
**2:54**
